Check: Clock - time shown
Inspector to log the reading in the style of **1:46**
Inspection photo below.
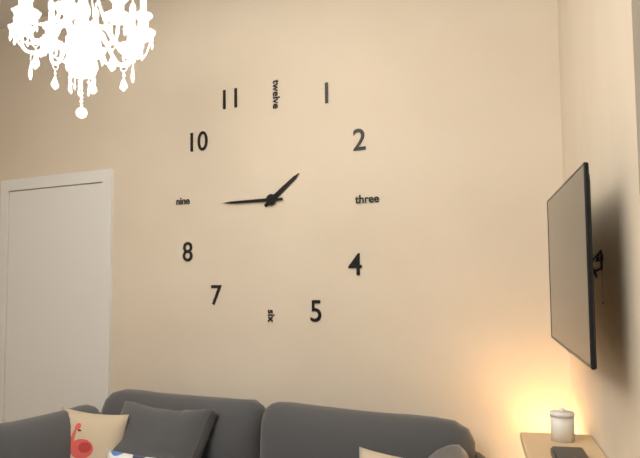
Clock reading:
**1:45**
